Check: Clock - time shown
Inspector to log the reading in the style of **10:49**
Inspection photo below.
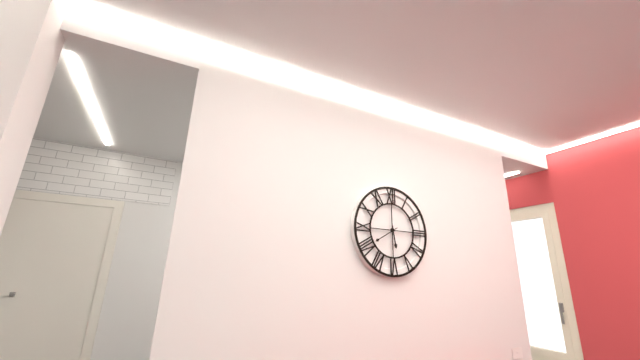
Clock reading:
**5:40**
